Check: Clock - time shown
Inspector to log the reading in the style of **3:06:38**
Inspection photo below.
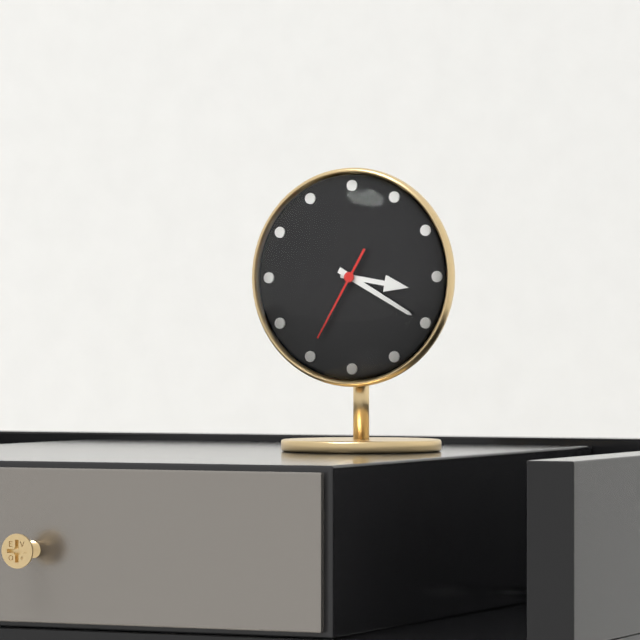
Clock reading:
**3:20:35**
